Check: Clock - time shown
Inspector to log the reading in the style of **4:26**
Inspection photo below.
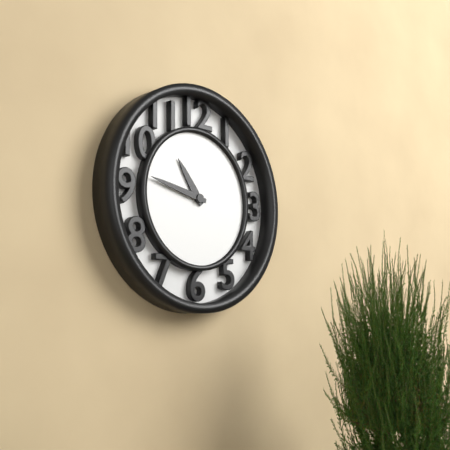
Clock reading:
**10:47**
